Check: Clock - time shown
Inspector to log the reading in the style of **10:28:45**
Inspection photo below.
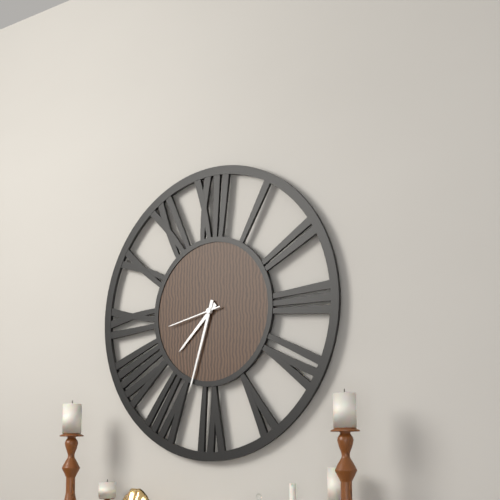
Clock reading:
**7:33:43**
